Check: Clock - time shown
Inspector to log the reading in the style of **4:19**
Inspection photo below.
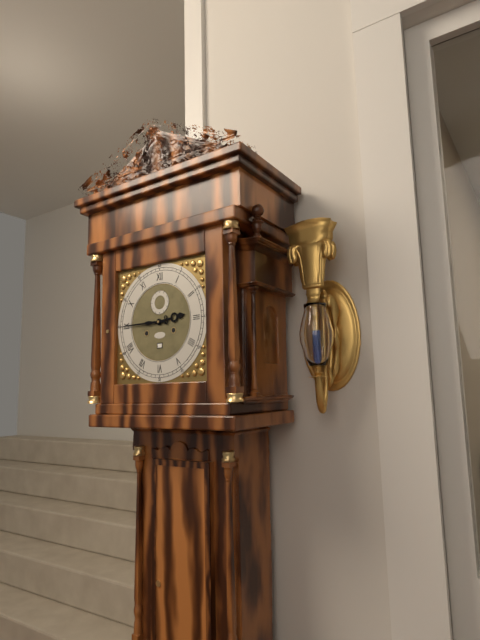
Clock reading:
**2:45**
